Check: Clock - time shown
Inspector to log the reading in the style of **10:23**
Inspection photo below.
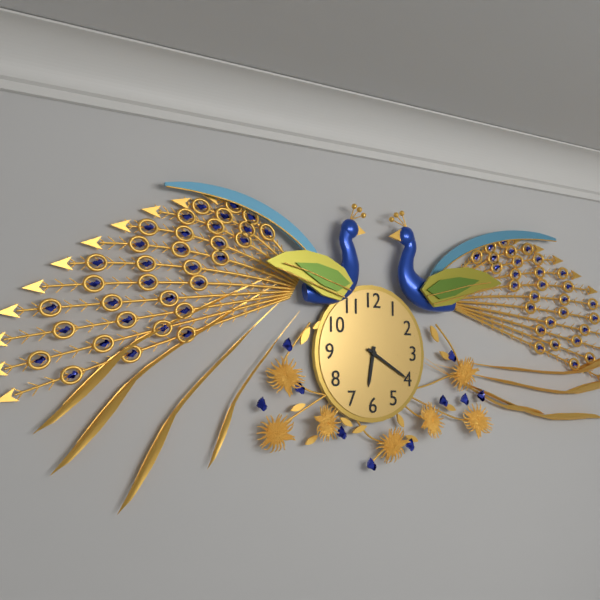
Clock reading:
**6:20**
